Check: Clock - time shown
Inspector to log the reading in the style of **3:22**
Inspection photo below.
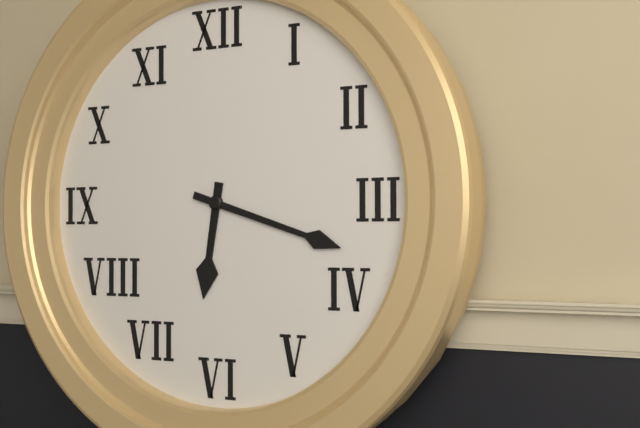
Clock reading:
**6:18**
